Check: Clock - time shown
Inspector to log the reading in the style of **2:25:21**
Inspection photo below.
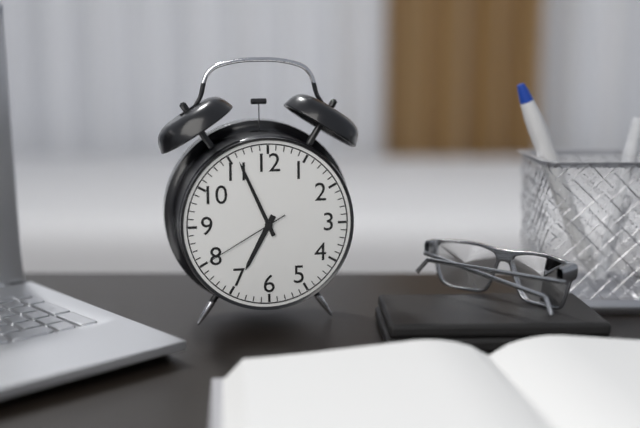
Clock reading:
**6:56:40**
